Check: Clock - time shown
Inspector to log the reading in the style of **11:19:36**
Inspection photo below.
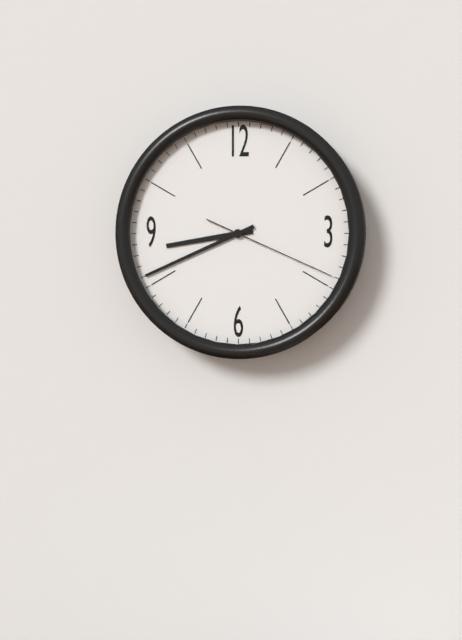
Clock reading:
**8:41:19**
